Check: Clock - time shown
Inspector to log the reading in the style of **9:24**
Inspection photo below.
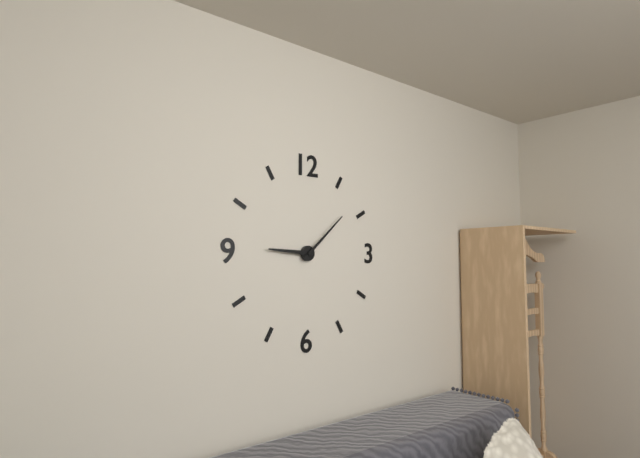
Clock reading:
**9:08**
